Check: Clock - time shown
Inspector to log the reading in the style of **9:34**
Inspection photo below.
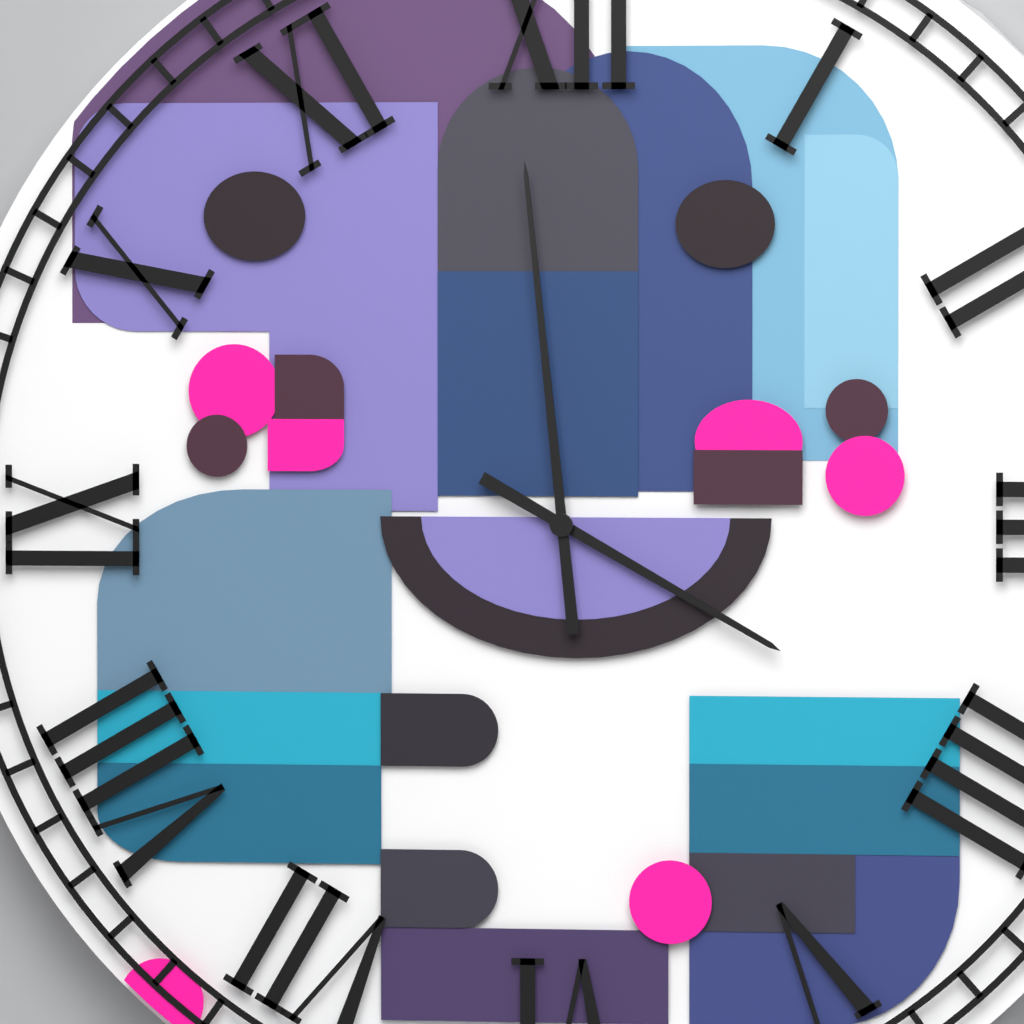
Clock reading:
**3:59**
